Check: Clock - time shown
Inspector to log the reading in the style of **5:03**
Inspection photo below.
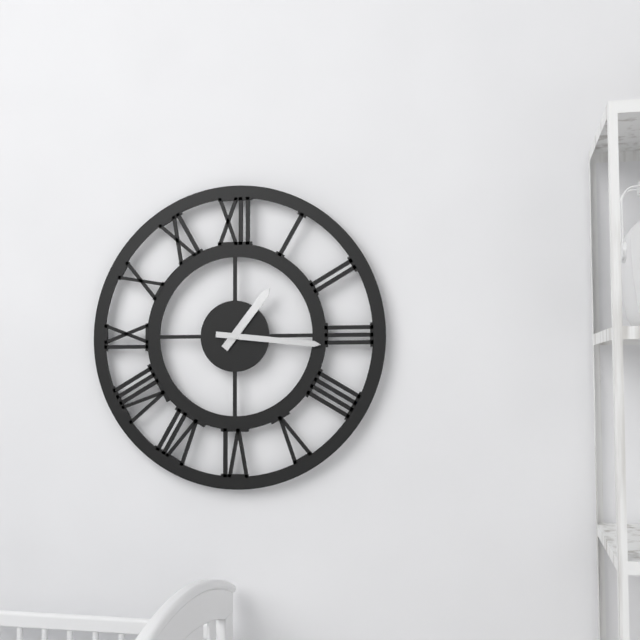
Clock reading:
**1:16**
